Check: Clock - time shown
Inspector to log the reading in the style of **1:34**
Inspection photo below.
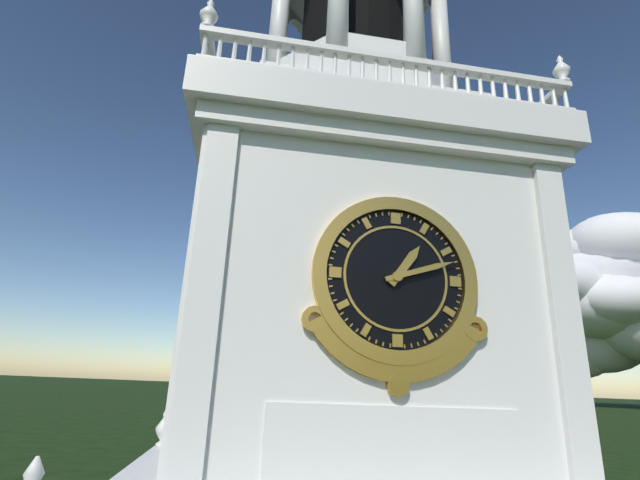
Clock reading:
**1:12**
